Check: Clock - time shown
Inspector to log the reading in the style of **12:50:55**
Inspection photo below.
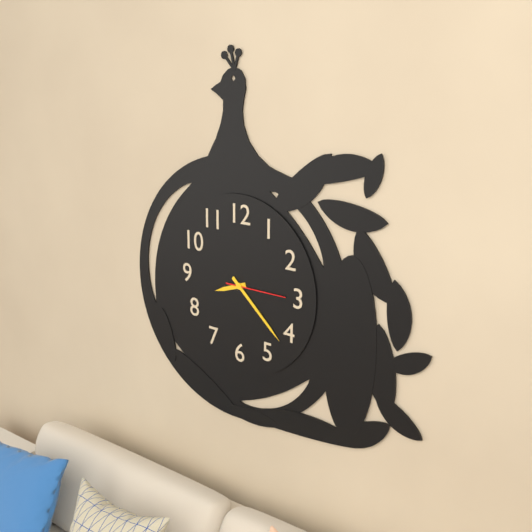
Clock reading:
**8:22:15**
